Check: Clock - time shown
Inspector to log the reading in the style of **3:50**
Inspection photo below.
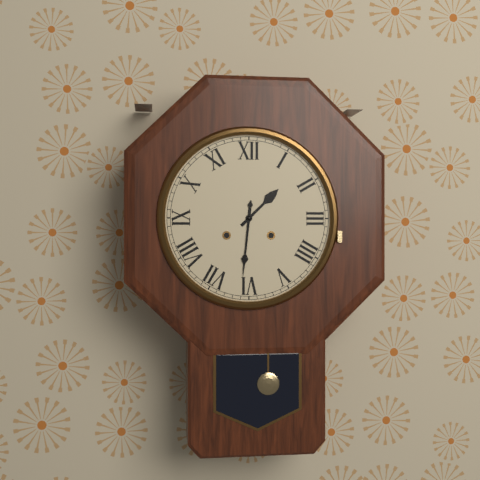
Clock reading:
**1:31**
